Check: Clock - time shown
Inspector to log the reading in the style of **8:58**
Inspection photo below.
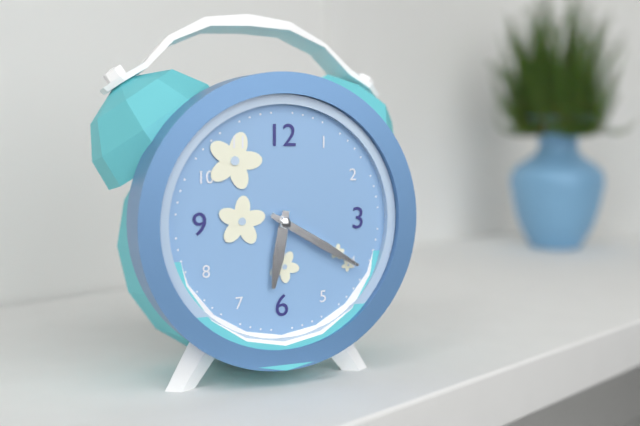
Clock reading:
**6:20**
